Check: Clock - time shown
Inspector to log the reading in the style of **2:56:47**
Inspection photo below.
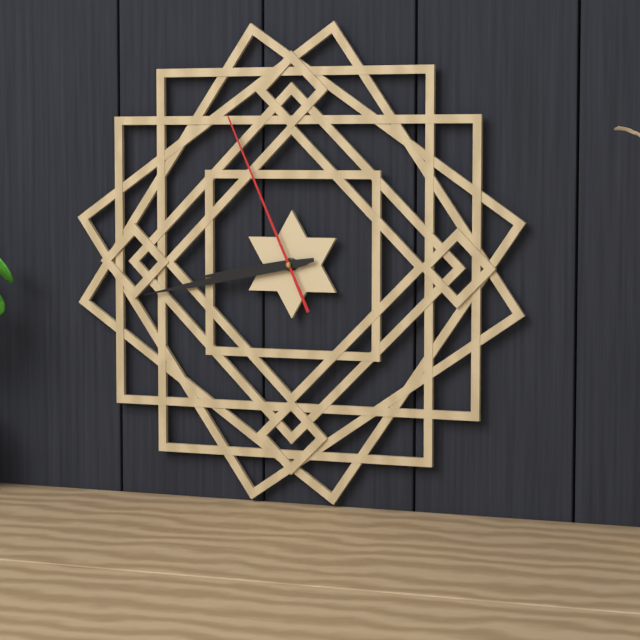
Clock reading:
**8:43:56**
